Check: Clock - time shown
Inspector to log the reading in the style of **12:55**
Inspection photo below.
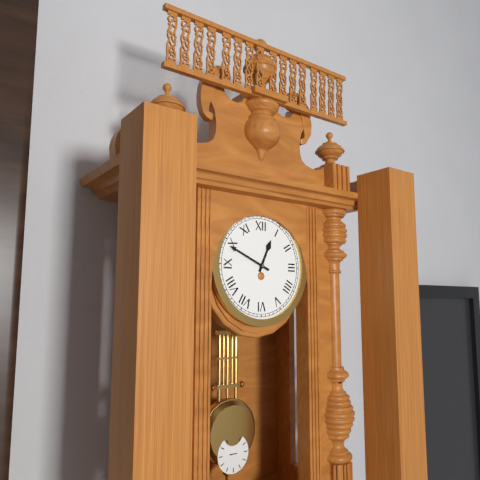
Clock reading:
**12:49**
